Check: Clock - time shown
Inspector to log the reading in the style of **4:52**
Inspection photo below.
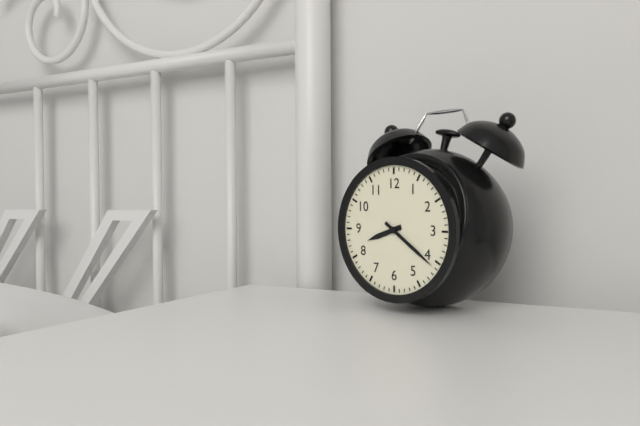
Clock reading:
**8:21**
